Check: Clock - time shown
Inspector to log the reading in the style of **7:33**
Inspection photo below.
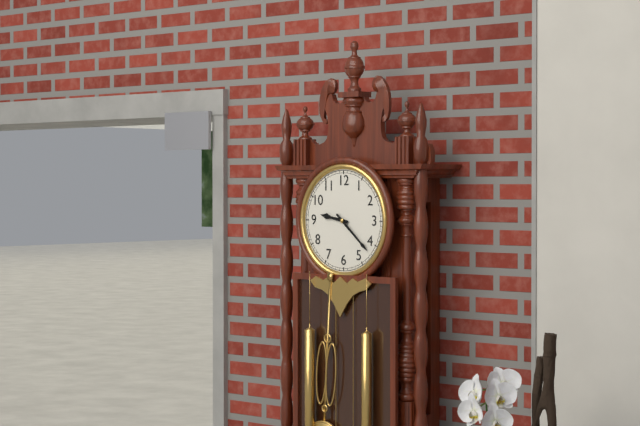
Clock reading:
**9:22**
